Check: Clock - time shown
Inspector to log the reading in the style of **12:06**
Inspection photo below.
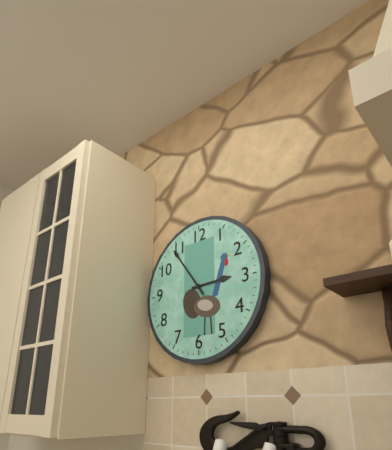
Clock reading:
**2:54**
